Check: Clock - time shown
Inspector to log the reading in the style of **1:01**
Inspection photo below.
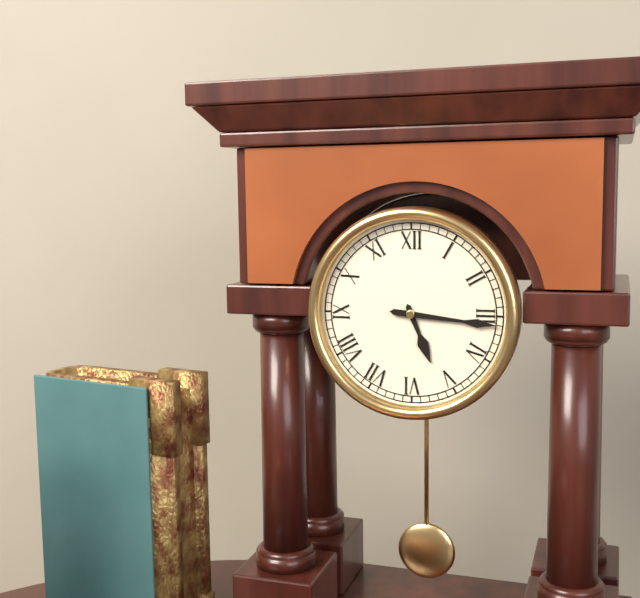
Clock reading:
**5:16**
